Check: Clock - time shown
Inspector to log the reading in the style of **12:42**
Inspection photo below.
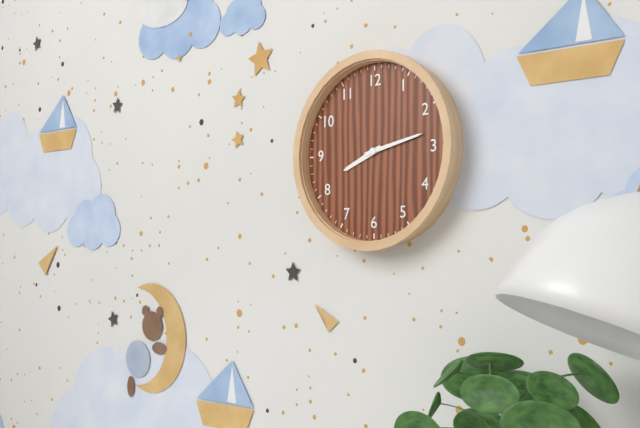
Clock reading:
**8:13**
